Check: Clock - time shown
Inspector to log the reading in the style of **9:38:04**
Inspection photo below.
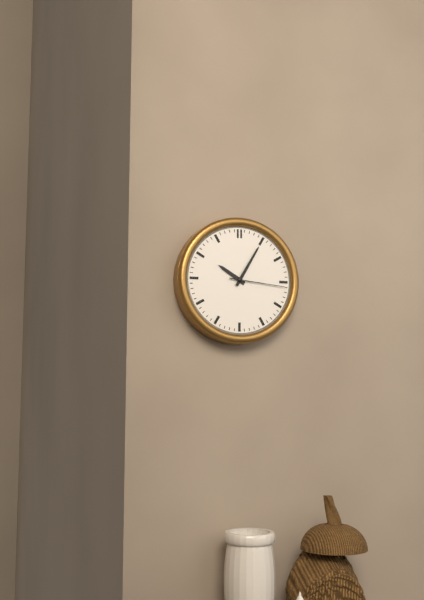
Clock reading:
**10:05:16**
